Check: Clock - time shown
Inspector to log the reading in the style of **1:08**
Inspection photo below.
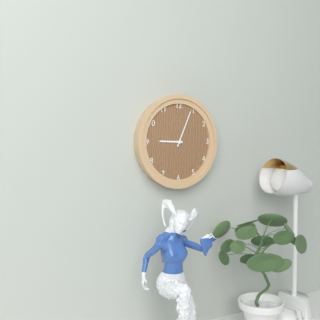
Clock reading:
**9:04**
